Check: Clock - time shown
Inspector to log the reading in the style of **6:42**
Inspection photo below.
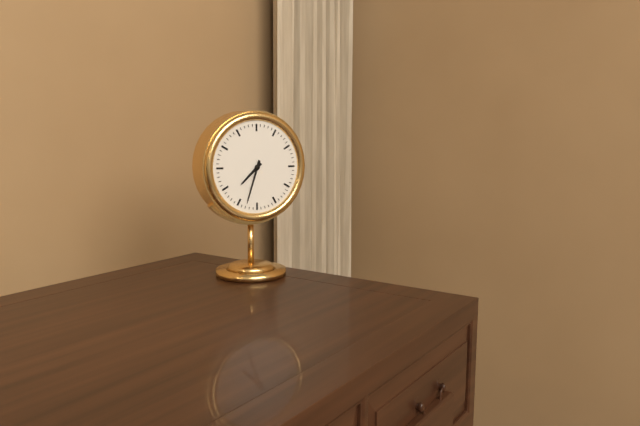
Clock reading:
**7:33**
